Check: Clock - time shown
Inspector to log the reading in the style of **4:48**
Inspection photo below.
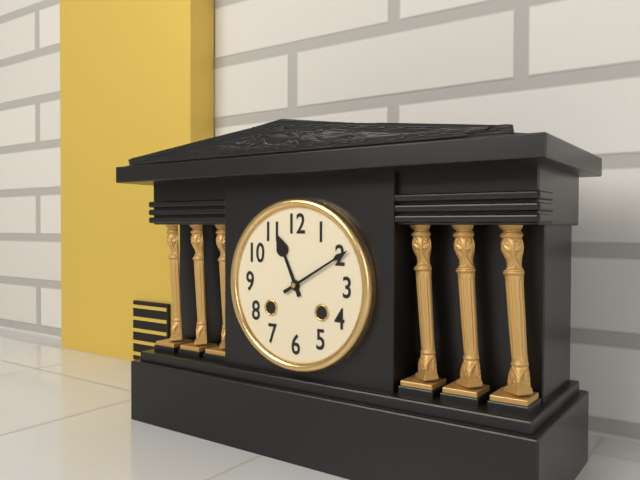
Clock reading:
**11:10**
